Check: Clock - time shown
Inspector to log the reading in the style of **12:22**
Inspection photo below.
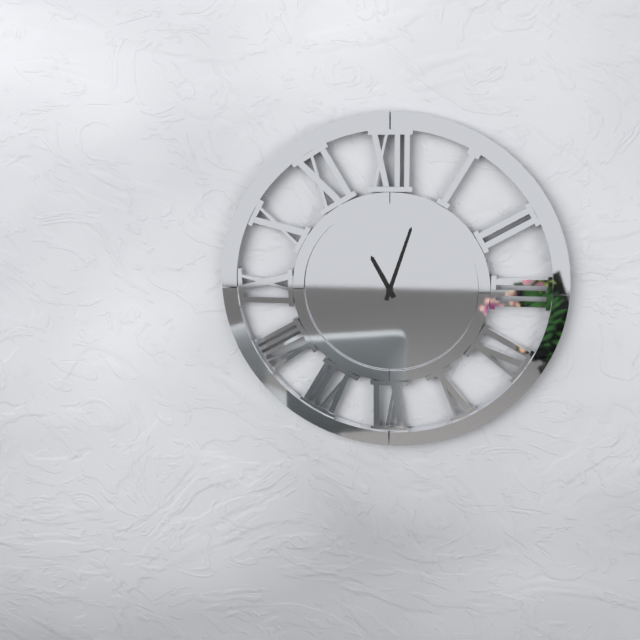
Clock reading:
**11:03**
